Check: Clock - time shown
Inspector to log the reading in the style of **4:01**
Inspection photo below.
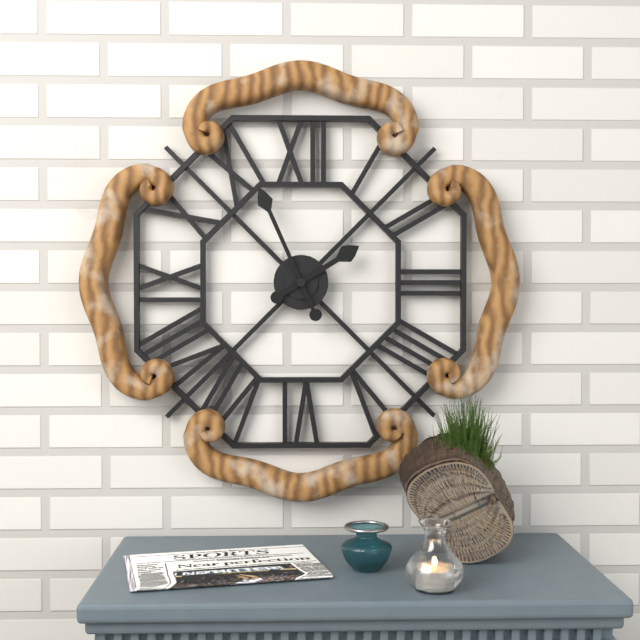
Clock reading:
**1:56**
